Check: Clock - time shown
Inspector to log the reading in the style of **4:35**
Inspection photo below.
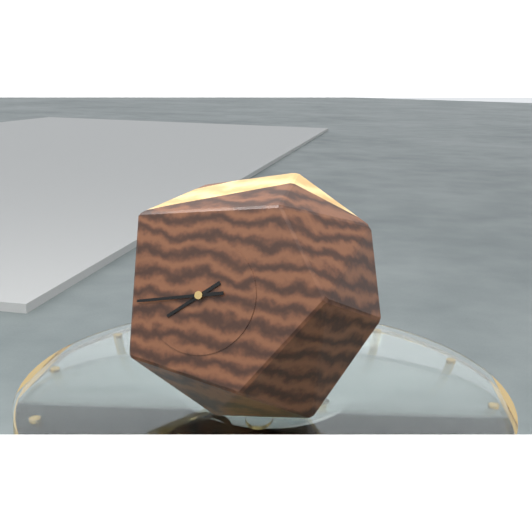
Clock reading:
**7:43**
